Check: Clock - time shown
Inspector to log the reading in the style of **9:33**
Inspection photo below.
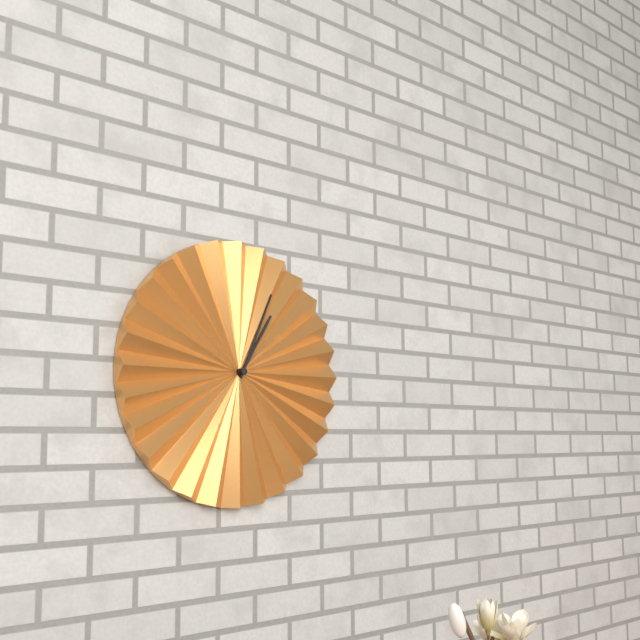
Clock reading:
**1:04**
